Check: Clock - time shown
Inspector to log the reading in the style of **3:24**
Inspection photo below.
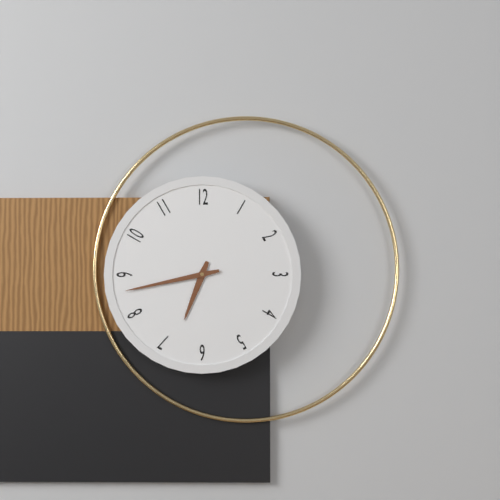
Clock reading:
**6:43**
